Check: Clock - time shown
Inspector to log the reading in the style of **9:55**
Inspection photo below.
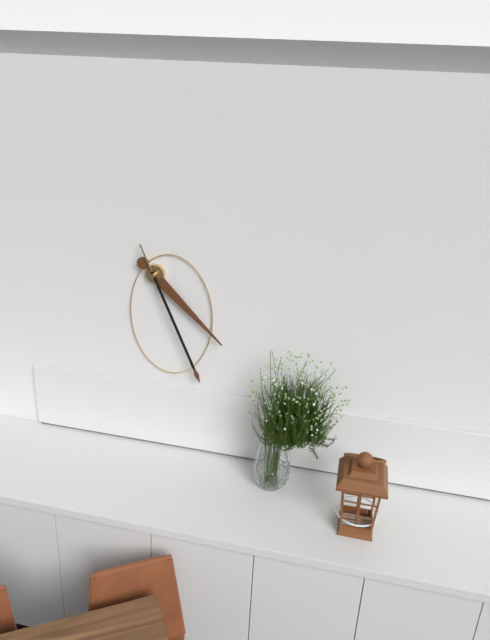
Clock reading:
**4:26**
